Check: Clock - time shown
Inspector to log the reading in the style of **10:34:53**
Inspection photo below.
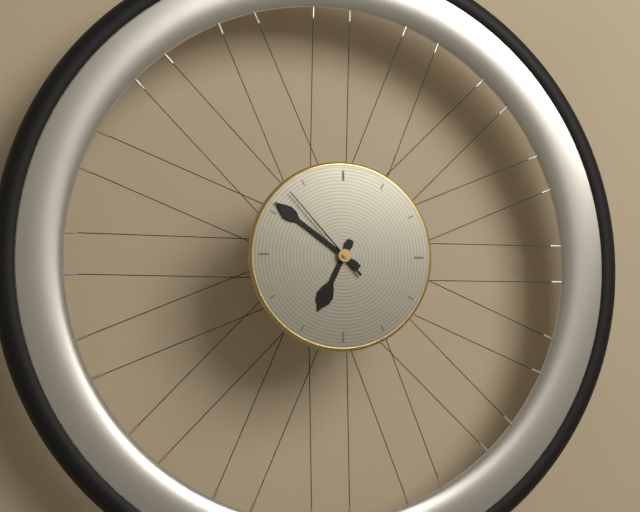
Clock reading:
**6:51:53**
